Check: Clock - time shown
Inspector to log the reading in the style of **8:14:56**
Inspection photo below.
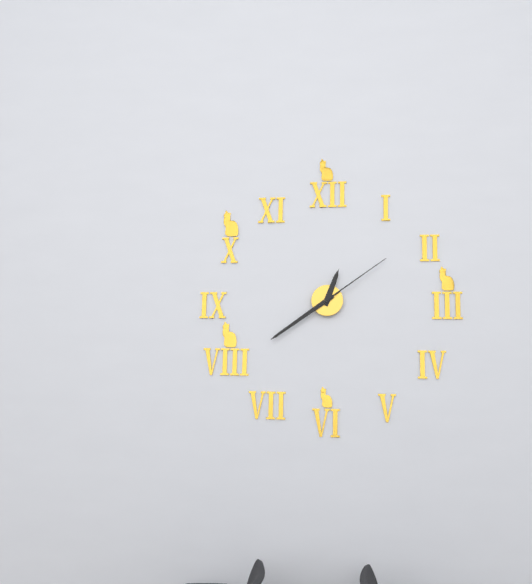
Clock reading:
**12:39:09**
